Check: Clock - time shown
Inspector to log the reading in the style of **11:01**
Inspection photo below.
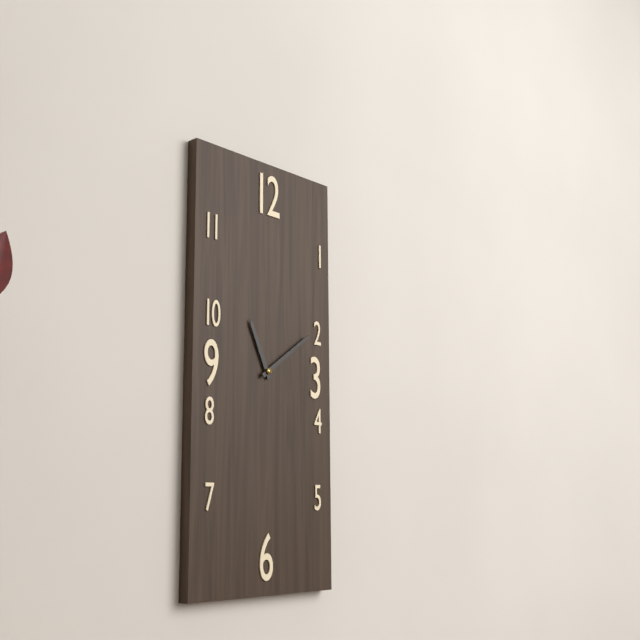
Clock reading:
**11:09**
